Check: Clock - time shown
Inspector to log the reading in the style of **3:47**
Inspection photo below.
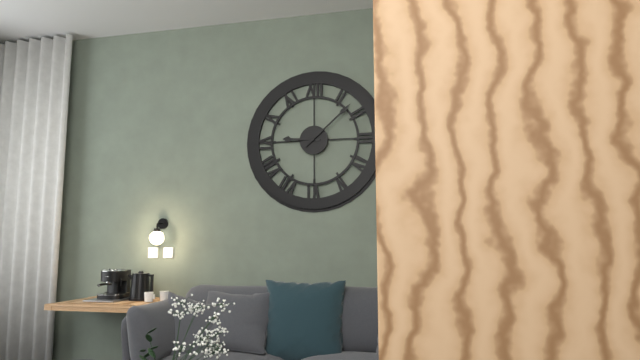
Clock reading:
**9:08**
